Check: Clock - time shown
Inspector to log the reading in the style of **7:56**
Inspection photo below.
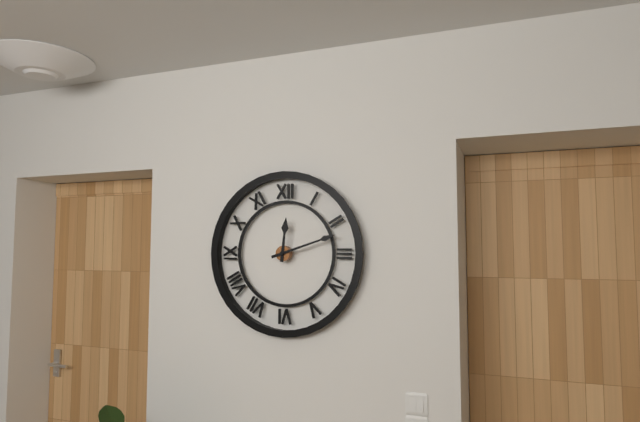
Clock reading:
**12:12**
